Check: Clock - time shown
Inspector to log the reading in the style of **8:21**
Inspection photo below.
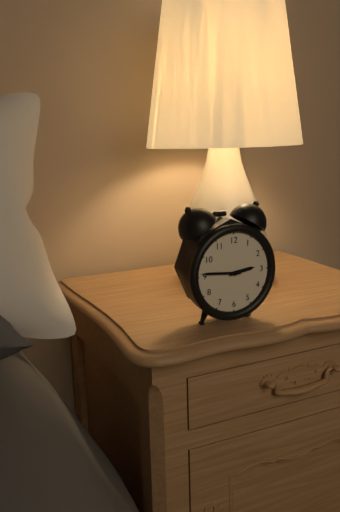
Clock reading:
**2:46**
